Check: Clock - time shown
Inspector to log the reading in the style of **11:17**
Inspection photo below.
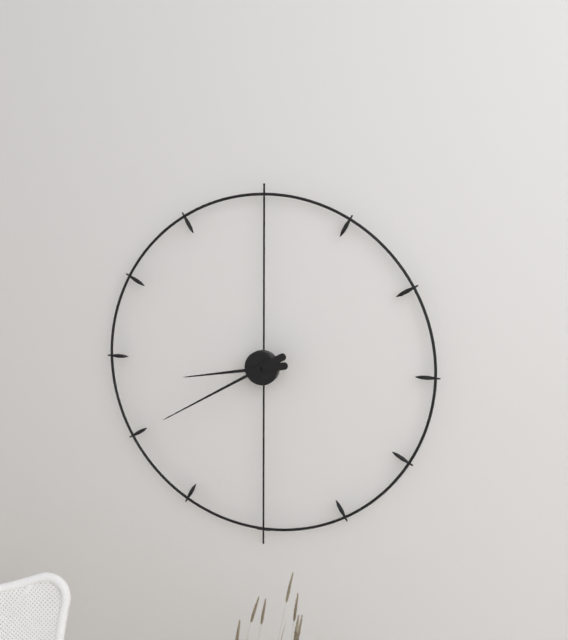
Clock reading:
**8:40**
